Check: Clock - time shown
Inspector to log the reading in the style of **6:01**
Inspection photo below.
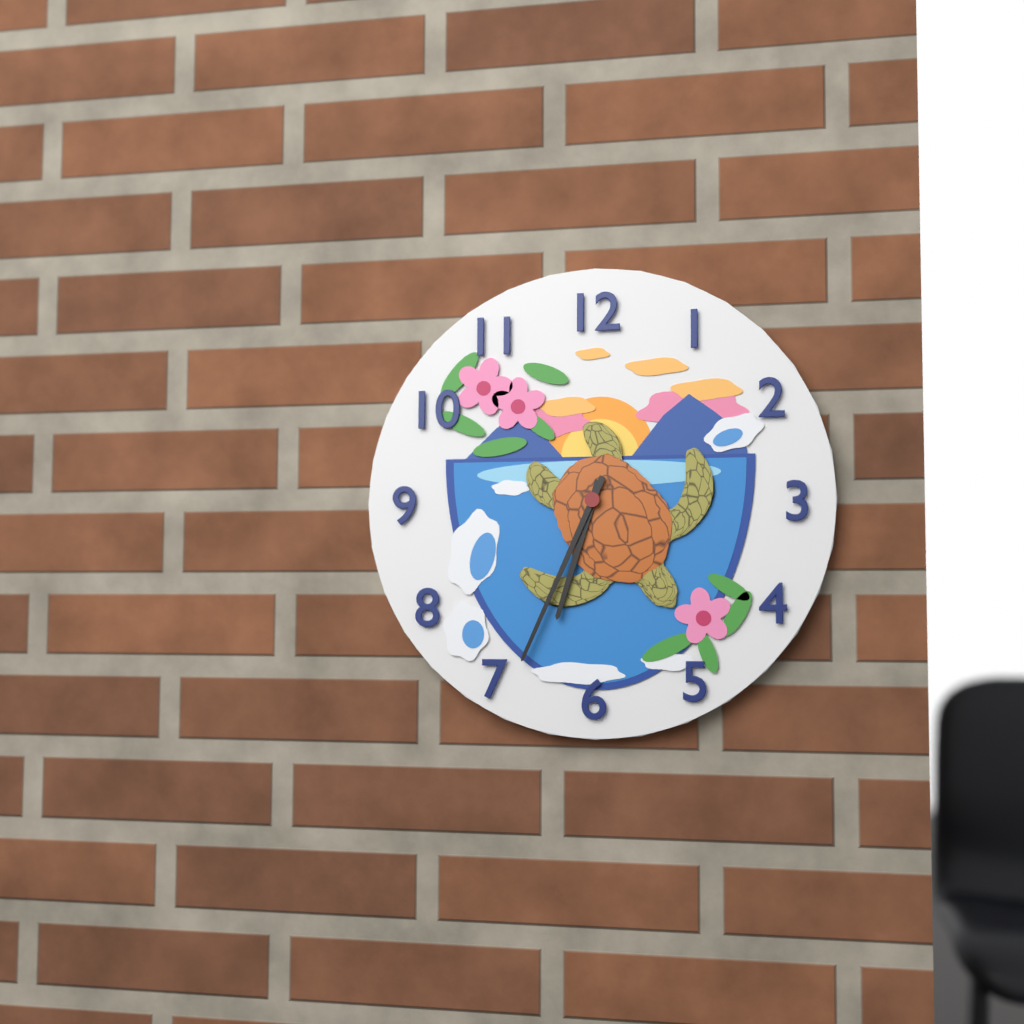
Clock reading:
**6:34**
